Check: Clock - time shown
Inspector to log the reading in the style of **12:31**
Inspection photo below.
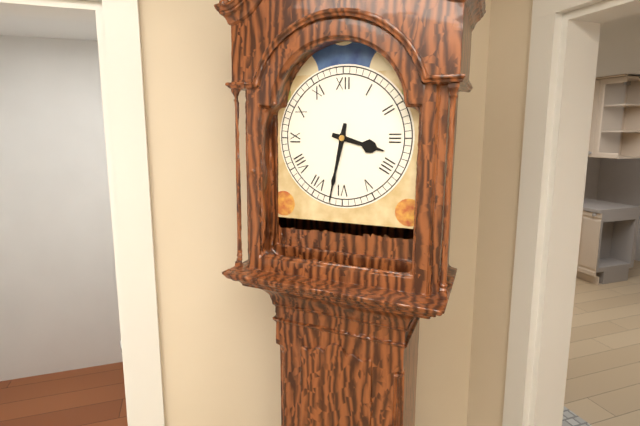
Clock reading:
**3:32**
